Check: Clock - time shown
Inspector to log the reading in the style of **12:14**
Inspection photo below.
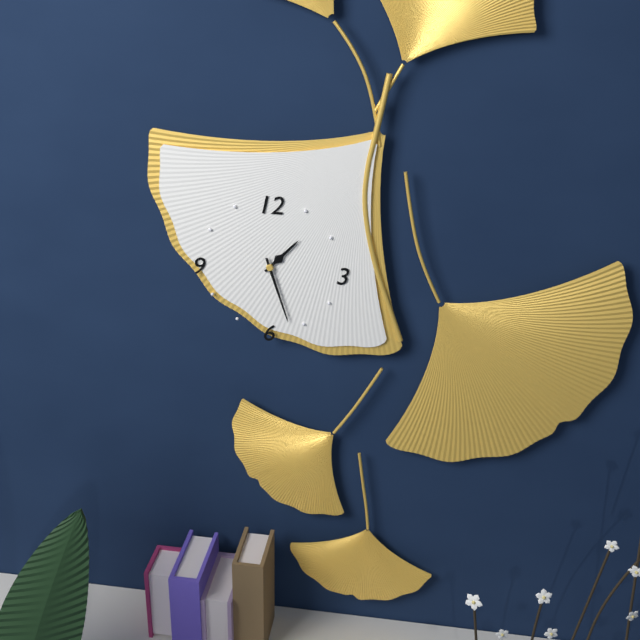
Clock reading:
**1:27**
